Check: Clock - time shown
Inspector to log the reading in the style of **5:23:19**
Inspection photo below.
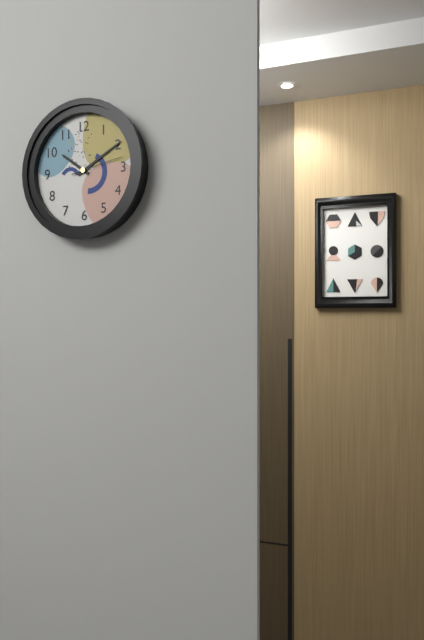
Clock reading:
**10:10:13**
